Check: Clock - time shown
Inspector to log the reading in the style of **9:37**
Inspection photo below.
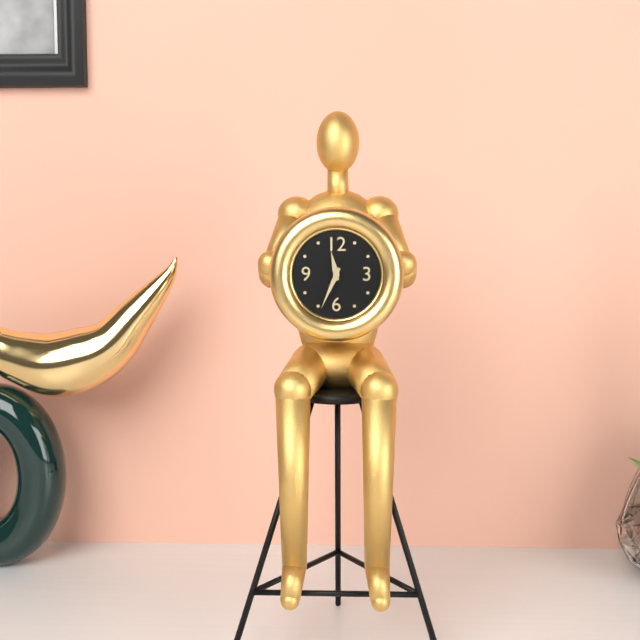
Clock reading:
**11:34**
